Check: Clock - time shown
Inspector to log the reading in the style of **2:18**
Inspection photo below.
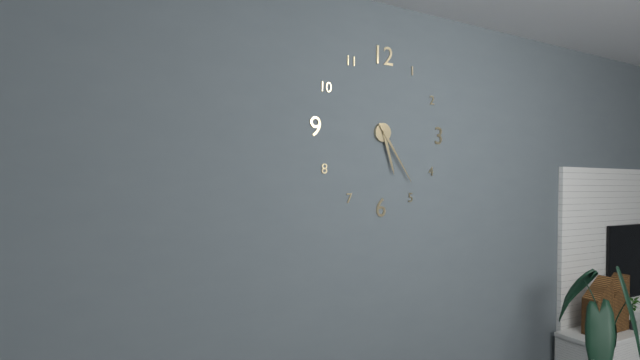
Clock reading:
**5:24**
